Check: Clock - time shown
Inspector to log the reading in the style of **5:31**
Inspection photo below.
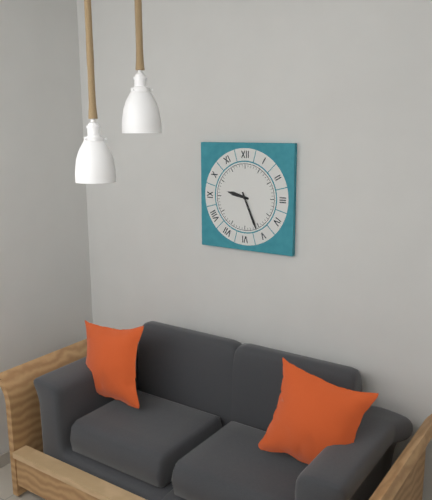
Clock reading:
**9:26**
